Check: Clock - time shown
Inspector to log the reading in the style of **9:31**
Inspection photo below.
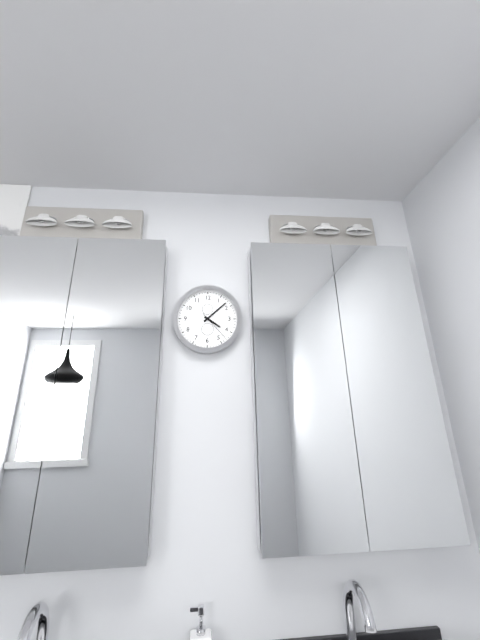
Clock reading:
**4:08**
